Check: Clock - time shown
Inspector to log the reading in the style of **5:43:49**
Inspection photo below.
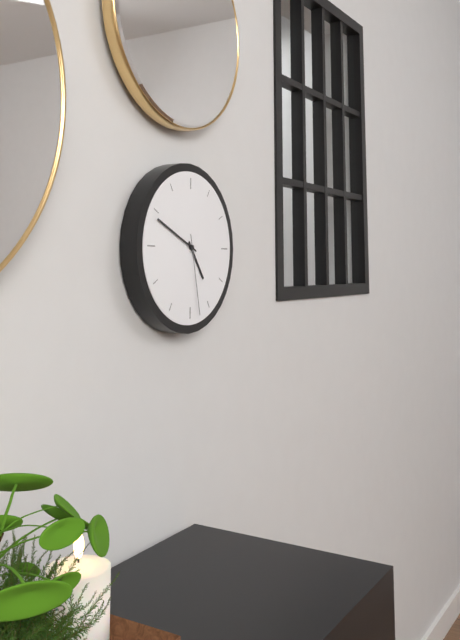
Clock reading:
**4:49:28**
